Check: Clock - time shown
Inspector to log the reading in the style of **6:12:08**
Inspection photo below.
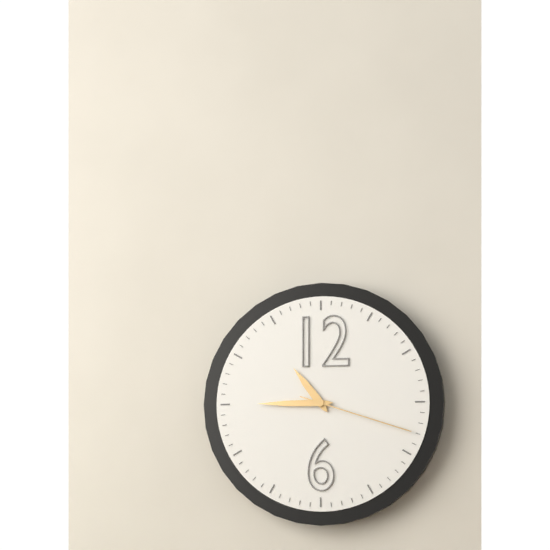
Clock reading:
**10:45:18**
